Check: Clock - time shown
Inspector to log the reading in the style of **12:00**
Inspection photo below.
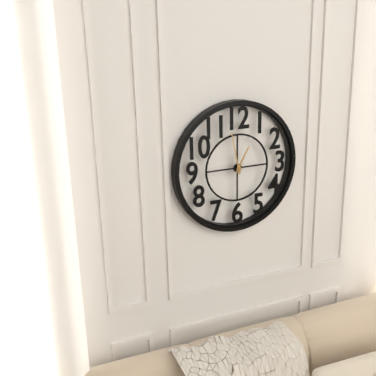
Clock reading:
**12:58**
